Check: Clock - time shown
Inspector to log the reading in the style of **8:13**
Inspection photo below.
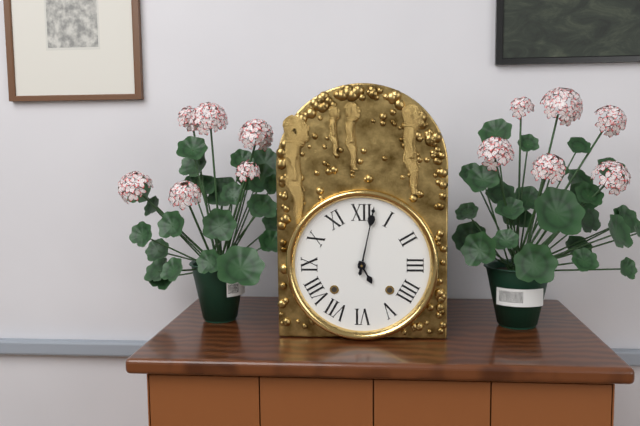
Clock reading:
**5:02**
